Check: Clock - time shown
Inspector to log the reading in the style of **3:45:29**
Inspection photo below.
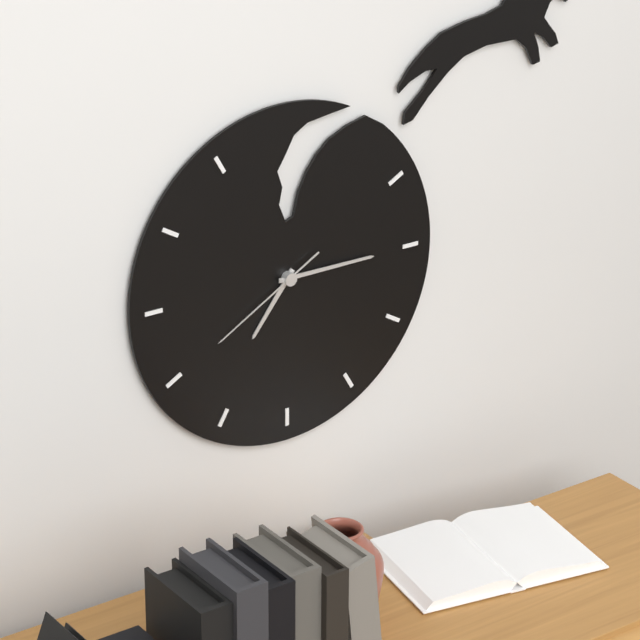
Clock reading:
**7:15:40**
